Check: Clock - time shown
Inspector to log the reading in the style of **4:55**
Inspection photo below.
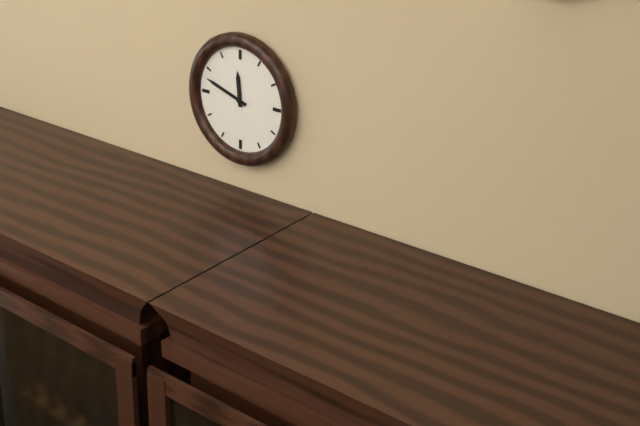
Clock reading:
**11:48**
